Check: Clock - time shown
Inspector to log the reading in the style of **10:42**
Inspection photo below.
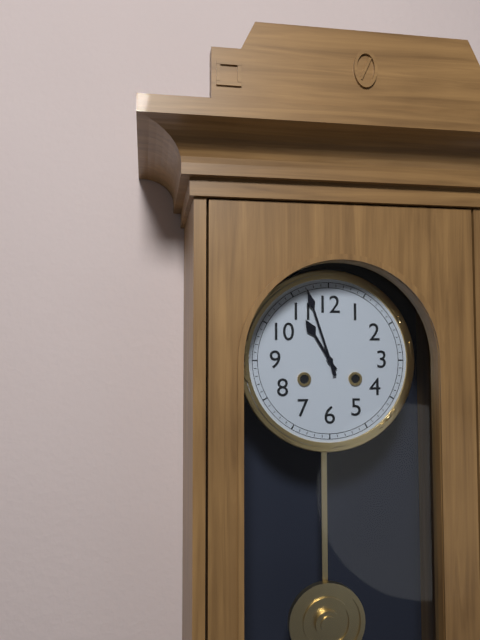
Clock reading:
**10:57**
